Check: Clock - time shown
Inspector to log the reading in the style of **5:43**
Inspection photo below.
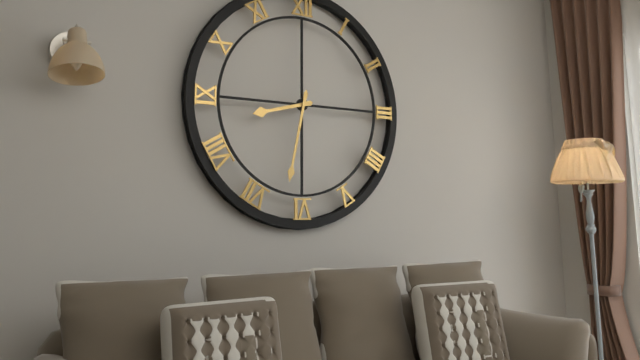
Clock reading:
**8:32**
